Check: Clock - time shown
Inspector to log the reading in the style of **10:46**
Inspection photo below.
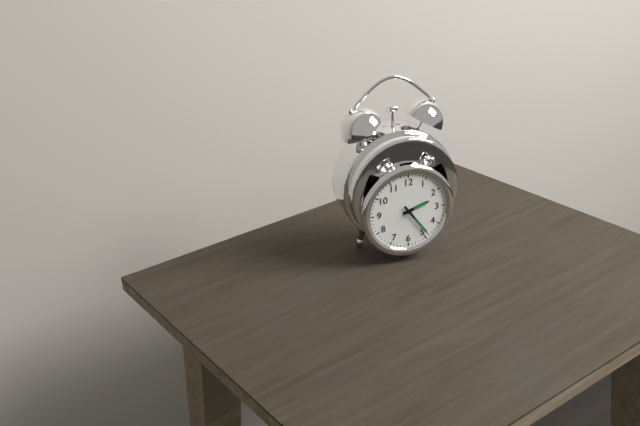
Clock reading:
**2:24**
